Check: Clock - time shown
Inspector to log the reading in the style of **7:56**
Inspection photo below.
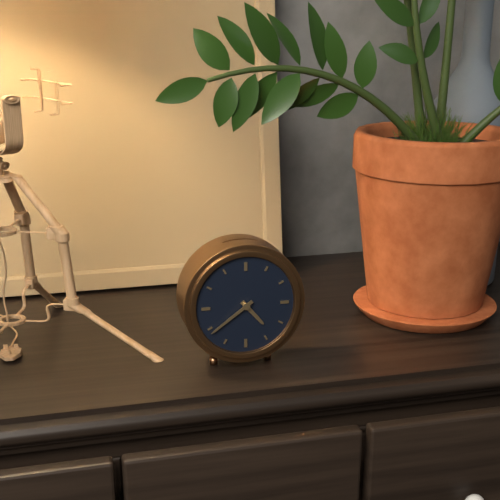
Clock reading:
**4:39**
